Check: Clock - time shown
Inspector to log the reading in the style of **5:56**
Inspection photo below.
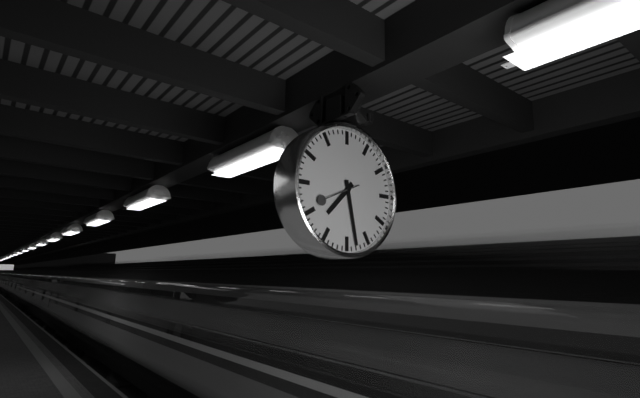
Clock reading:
**7:28**
